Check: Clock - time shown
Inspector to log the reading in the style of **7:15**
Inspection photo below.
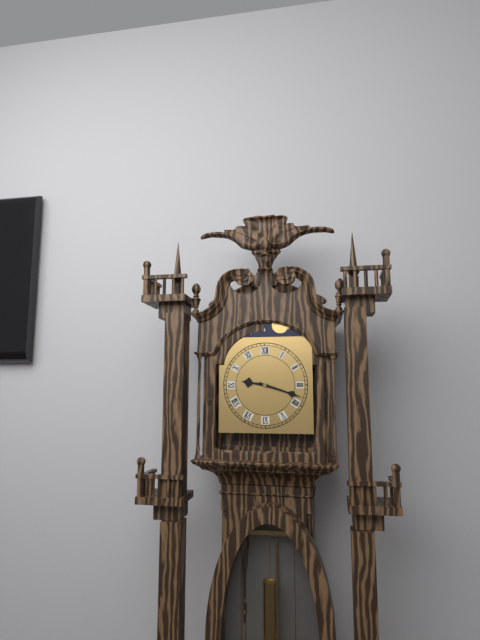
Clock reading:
**9:18**
